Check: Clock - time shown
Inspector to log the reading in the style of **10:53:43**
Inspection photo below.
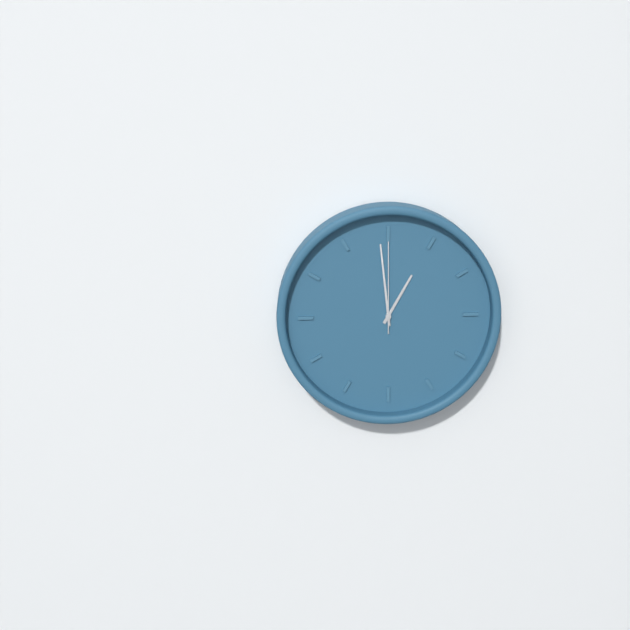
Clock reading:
**12:59:00**
